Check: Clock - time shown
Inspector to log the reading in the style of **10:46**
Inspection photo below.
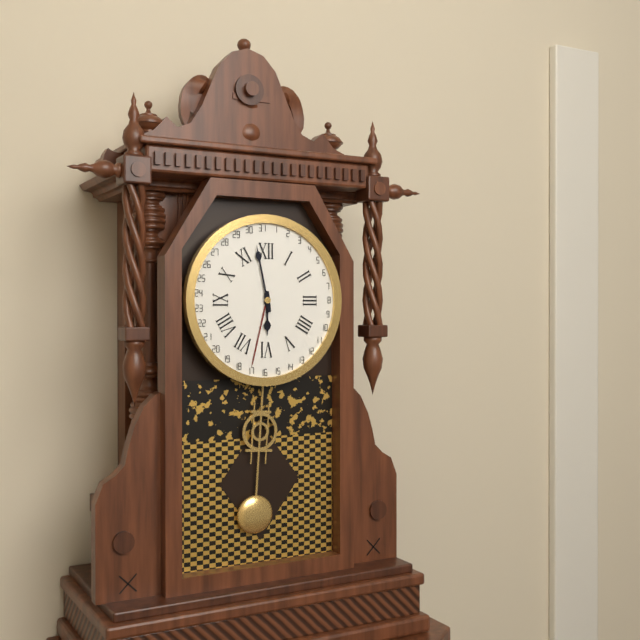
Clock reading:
**5:58**
